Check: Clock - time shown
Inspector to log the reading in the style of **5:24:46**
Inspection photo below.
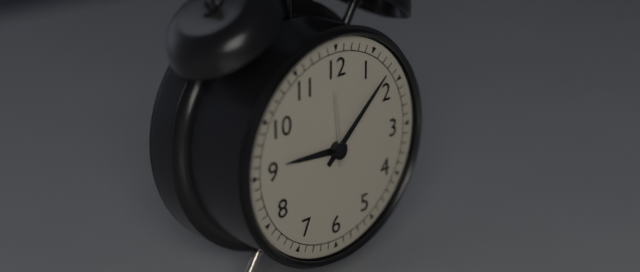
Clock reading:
**9:08:59**
